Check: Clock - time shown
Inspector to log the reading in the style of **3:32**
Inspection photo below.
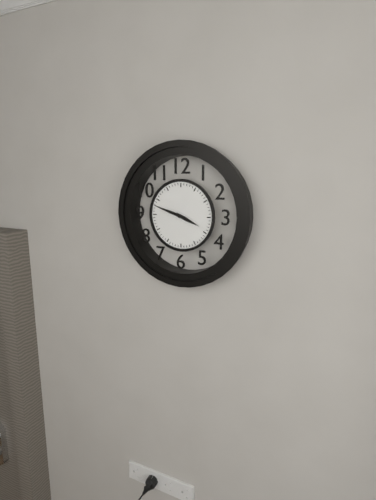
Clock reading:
**3:48**
